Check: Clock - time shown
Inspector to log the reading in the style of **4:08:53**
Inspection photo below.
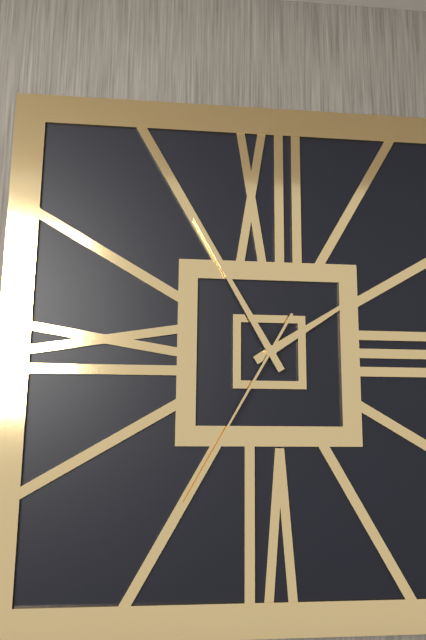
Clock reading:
**1:55:35**
